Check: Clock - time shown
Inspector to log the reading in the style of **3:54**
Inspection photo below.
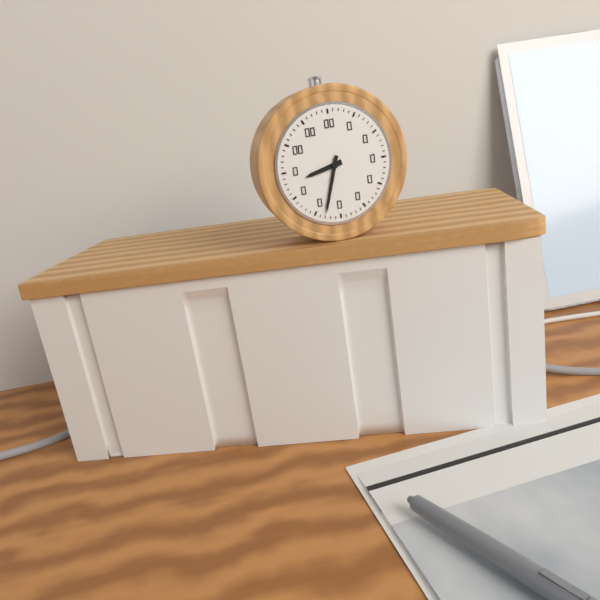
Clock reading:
**8:33**
